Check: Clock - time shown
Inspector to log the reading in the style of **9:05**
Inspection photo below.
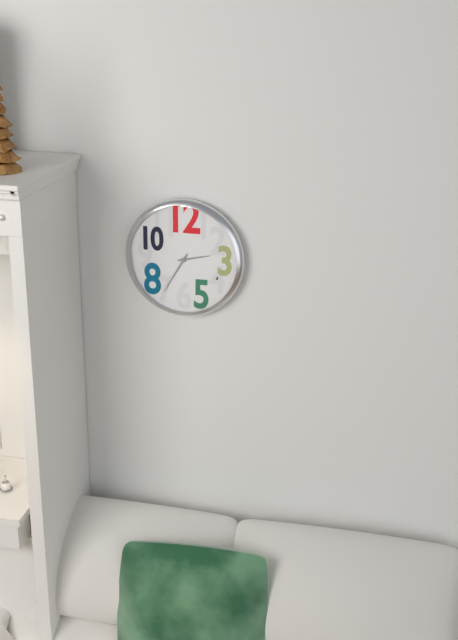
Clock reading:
**2:35**
